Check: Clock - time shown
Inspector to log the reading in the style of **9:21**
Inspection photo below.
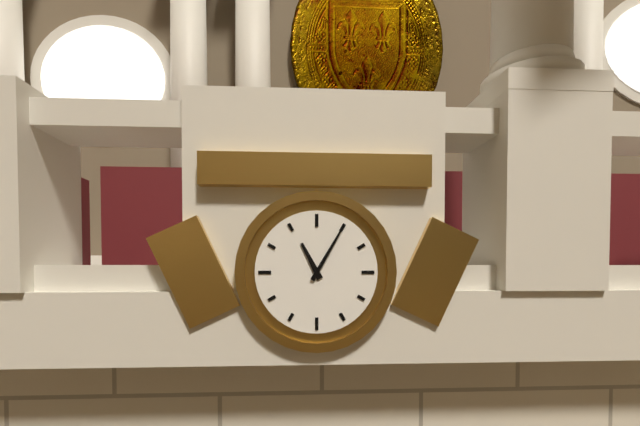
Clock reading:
**11:05**
